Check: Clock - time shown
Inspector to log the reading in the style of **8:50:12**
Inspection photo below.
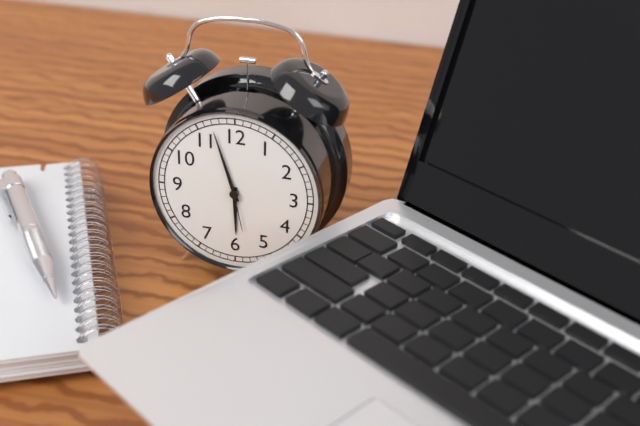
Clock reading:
**5:57:28**
